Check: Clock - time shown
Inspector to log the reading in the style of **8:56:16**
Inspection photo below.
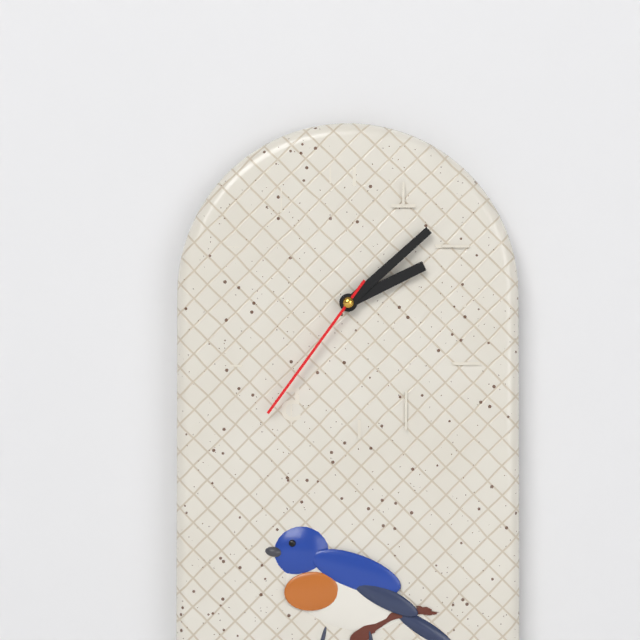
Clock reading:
**2:08:36**
